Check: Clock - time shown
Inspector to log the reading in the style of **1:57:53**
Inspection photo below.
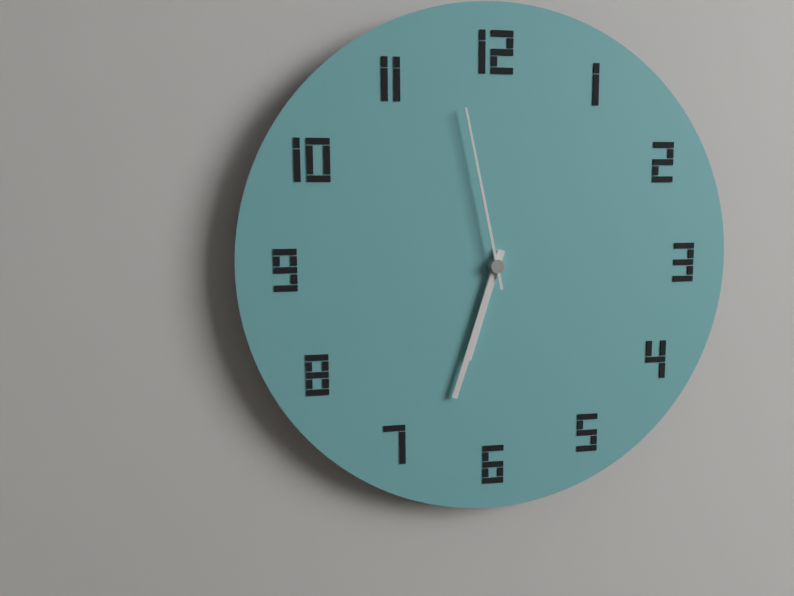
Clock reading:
**6:33:58**
